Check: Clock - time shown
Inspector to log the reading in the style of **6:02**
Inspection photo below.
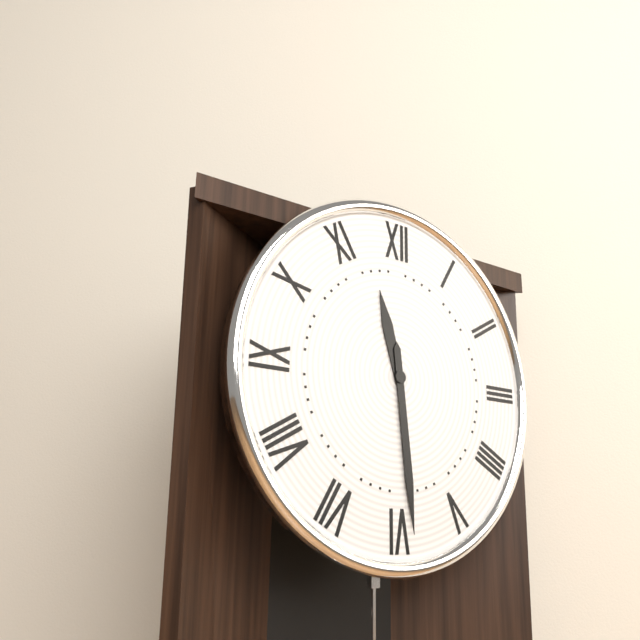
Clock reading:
**11:29**
